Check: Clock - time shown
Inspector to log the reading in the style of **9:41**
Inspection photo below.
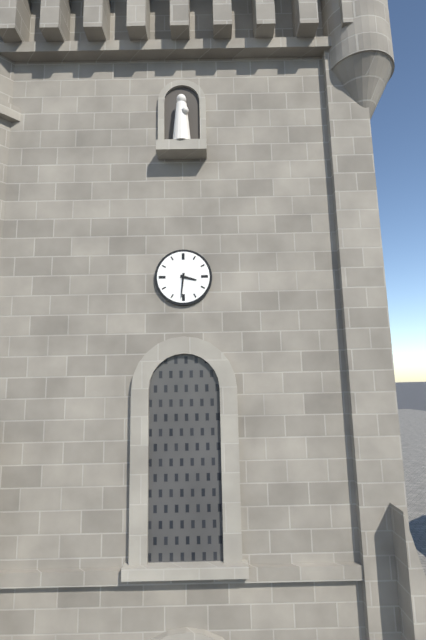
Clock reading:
**3:31**
